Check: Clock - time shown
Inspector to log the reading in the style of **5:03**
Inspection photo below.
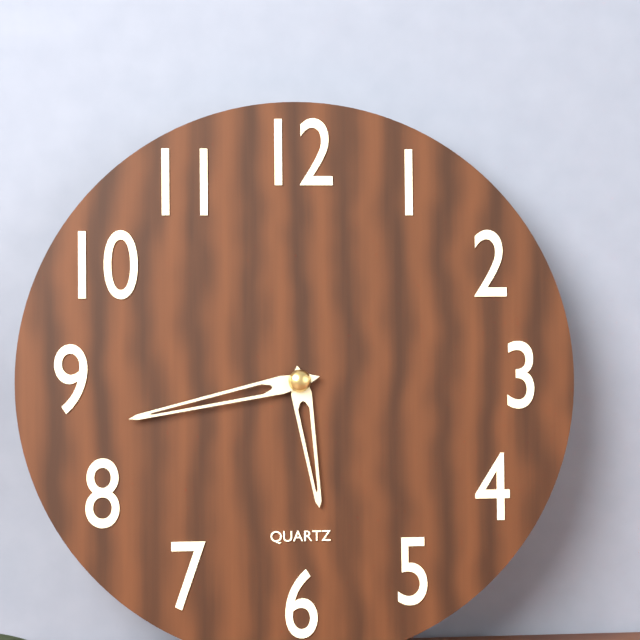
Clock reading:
**5:43**
